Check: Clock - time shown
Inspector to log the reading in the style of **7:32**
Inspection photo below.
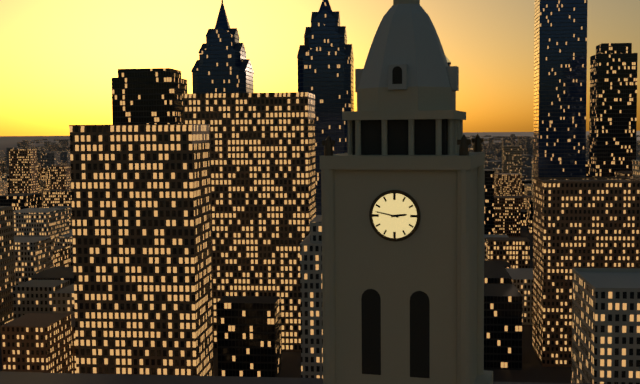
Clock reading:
**2:47**
